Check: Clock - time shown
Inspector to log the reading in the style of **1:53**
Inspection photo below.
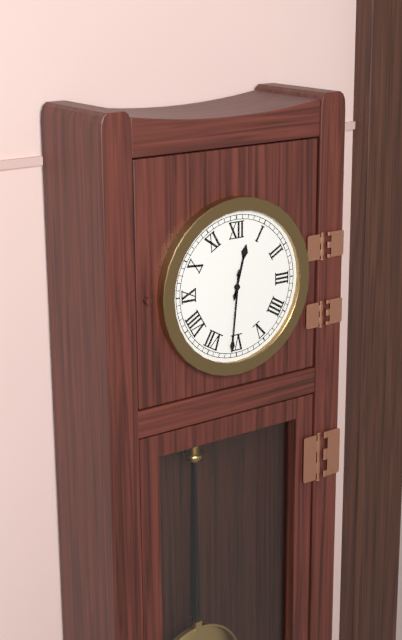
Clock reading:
**12:31**
